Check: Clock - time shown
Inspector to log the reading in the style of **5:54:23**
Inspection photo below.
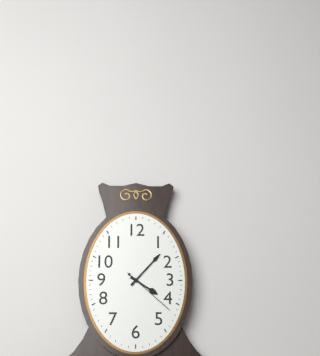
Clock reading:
**4:07:22**
